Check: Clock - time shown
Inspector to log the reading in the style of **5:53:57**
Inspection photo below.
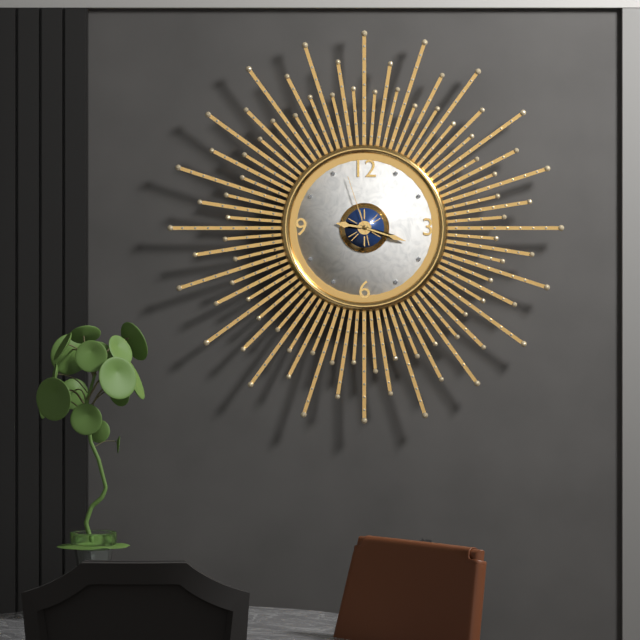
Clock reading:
**9:18:57**
